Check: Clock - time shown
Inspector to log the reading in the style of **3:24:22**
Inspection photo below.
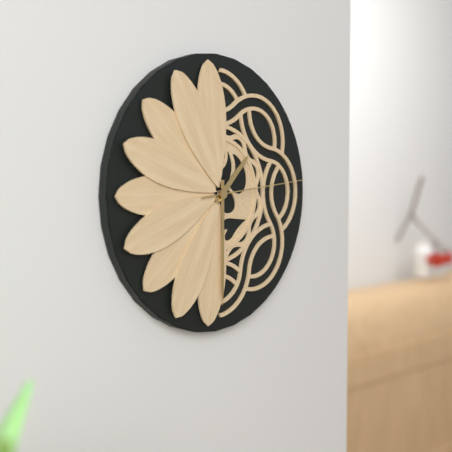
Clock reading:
**1:30:14**
